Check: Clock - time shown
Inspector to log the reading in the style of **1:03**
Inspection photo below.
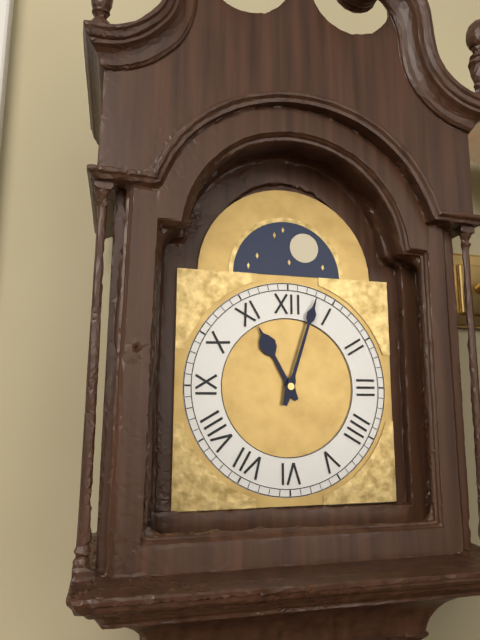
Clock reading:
**11:03**
